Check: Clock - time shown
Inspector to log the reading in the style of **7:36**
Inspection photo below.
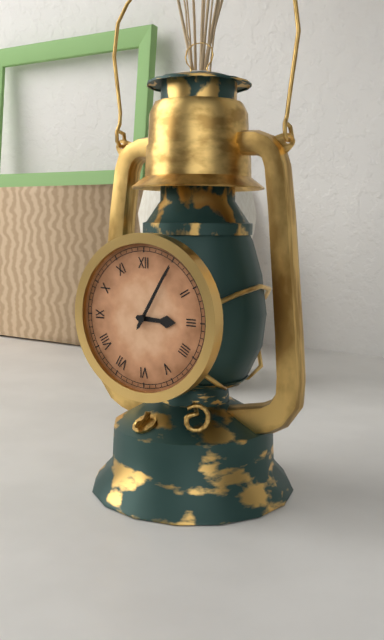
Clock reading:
**3:05**
